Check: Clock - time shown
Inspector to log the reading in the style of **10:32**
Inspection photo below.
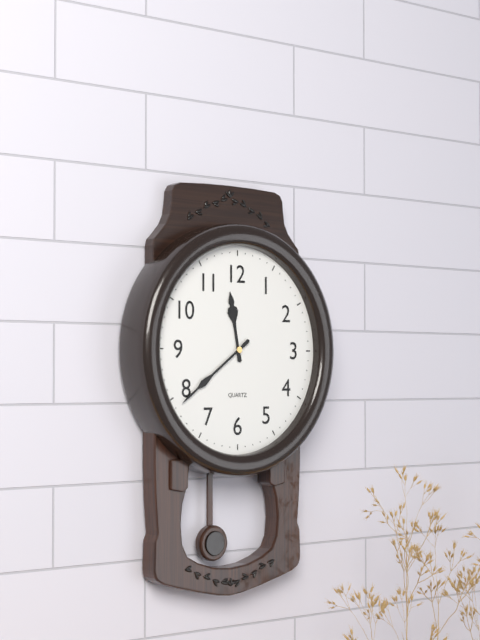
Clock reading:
**11:39**
